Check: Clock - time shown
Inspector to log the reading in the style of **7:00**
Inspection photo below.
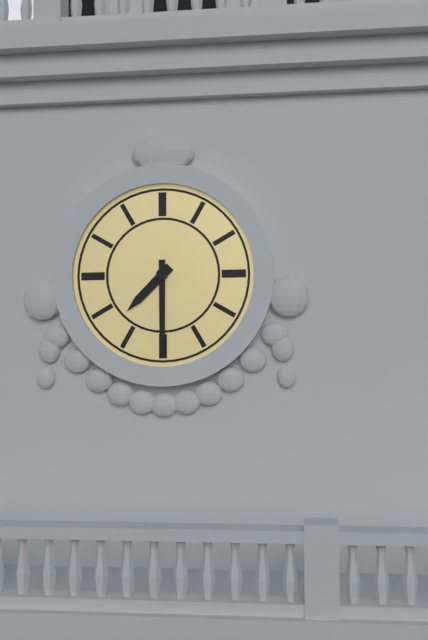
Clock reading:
**7:30**
